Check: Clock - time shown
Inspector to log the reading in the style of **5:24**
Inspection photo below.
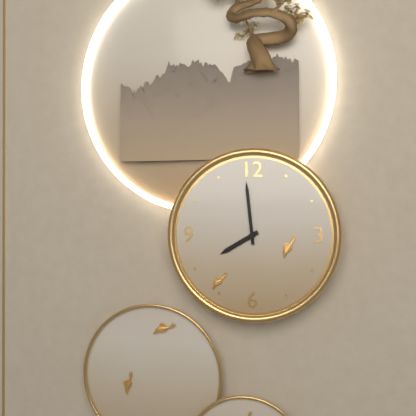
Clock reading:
**7:59**
